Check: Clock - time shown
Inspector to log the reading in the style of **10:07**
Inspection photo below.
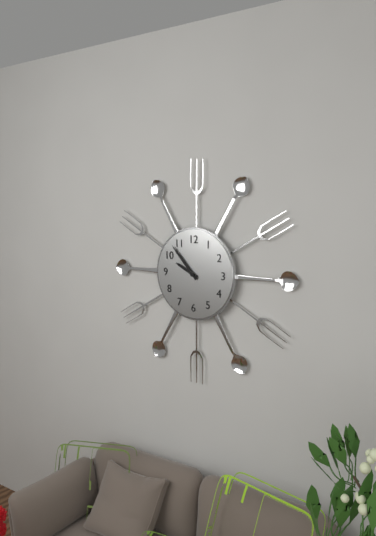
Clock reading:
**9:53**
